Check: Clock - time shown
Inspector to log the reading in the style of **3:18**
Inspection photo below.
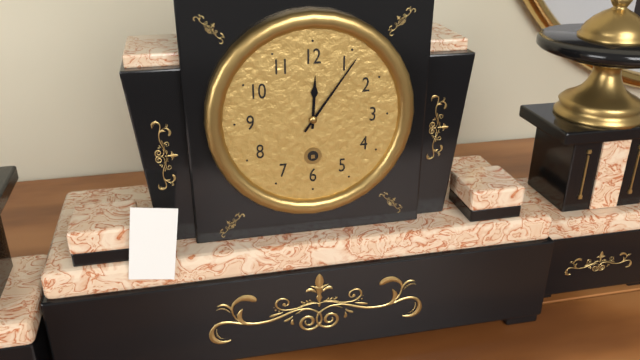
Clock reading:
**12:06**
